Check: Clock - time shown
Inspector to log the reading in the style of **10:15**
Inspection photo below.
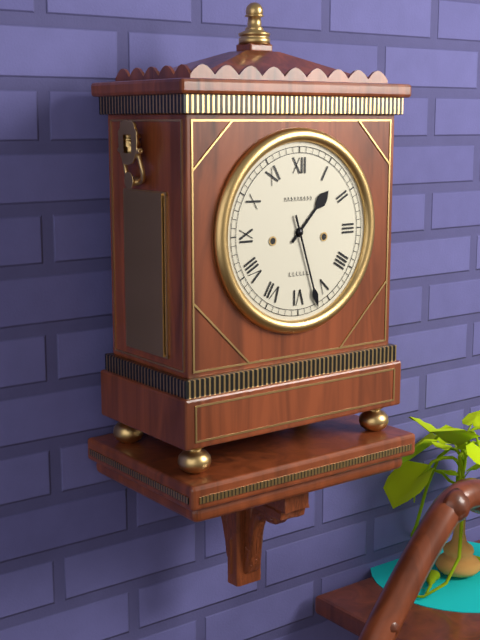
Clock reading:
**1:27**
